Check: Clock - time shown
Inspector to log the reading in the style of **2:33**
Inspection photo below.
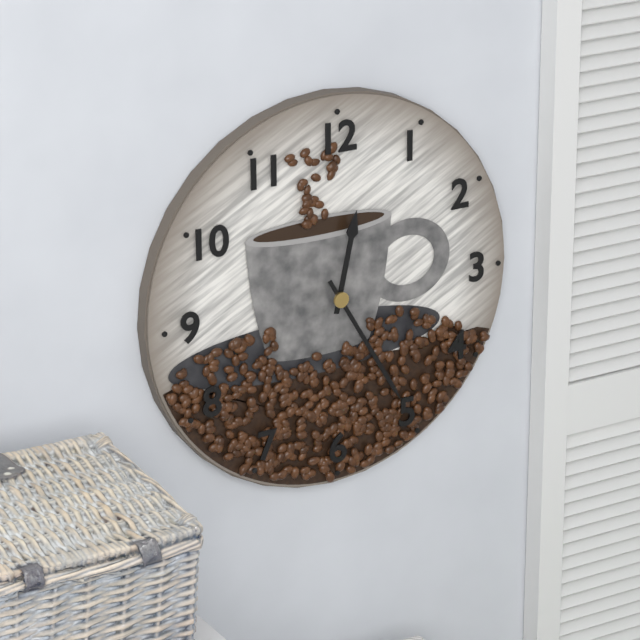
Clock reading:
**12:25**
